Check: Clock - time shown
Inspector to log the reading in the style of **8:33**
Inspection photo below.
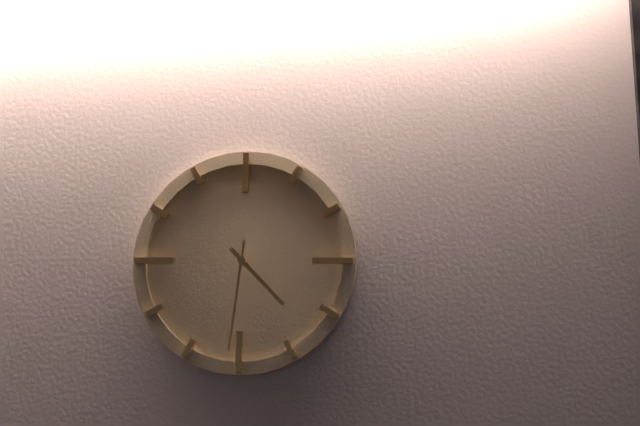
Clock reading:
**4:31**
